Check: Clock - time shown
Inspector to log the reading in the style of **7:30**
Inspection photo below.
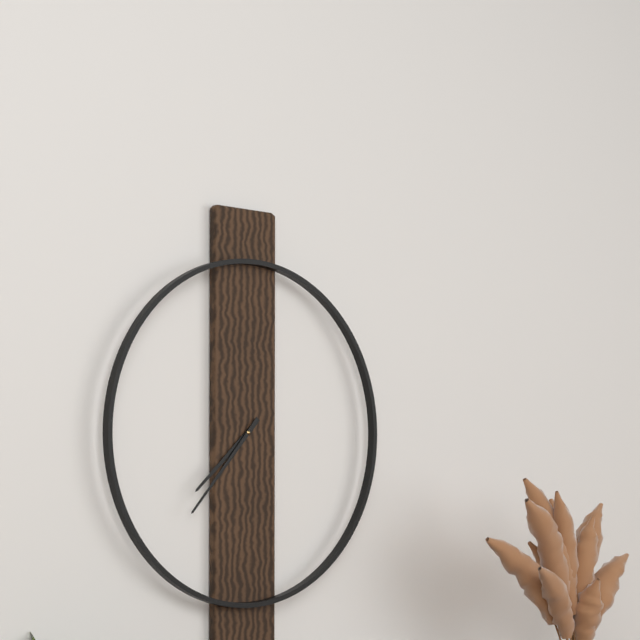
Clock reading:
**7:37**
